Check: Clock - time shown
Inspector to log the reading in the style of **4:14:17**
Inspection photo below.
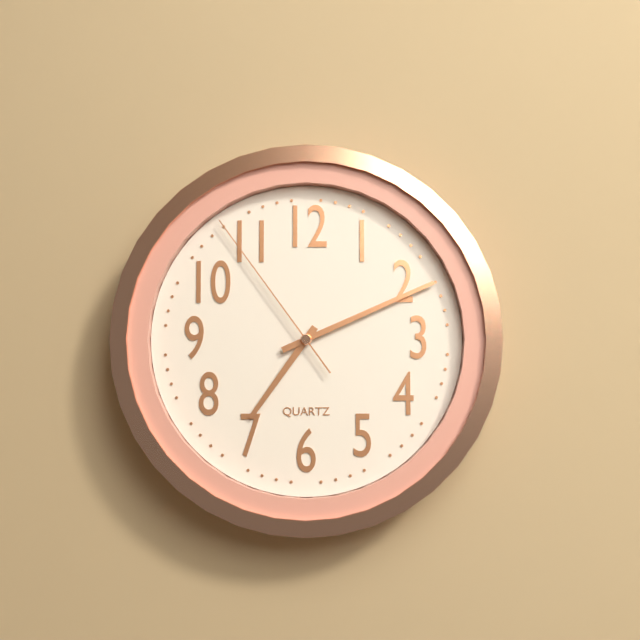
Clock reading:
**7:11:54**
